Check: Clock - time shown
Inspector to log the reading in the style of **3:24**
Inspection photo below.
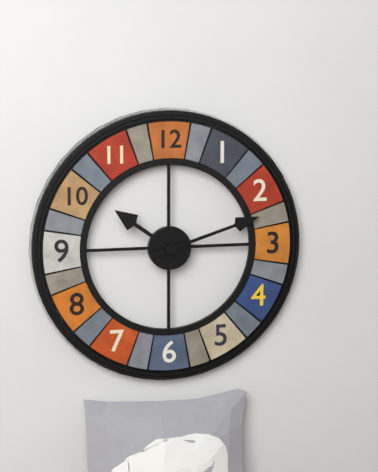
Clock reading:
**10:12**
